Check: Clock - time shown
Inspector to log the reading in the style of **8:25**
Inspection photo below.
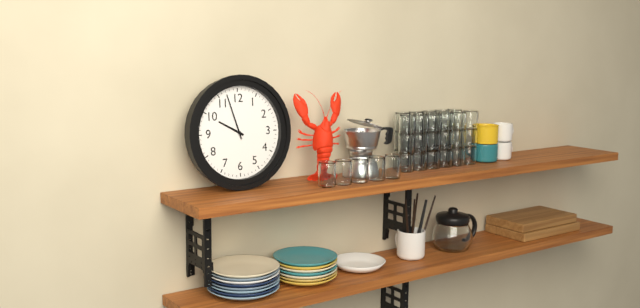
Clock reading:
**9:57**
